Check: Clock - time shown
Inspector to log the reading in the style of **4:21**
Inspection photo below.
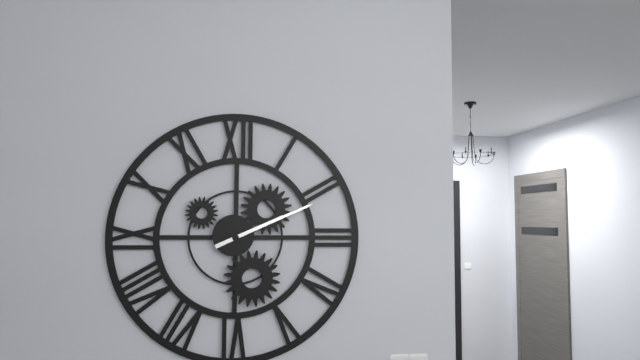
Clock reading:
**2:11**
